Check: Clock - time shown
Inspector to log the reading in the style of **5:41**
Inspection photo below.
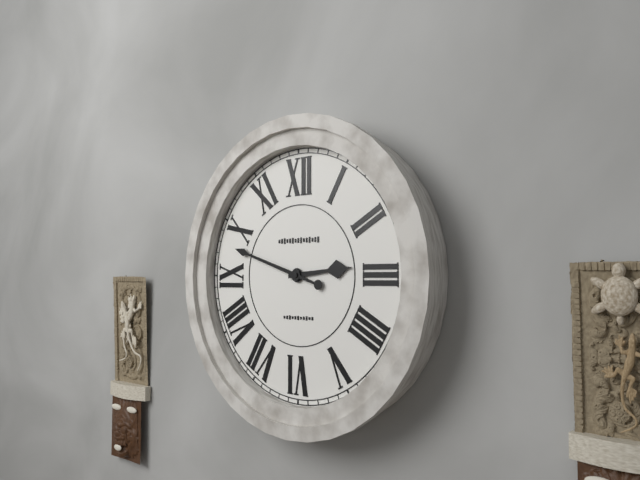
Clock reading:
**2:48**
